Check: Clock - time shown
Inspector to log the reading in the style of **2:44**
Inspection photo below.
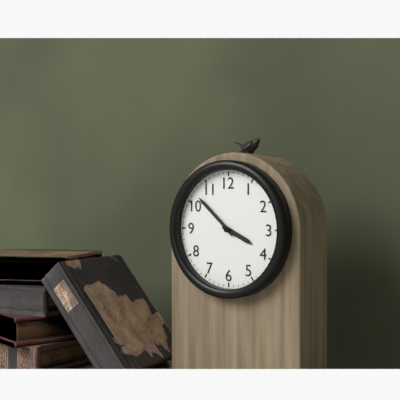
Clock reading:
**3:52**
